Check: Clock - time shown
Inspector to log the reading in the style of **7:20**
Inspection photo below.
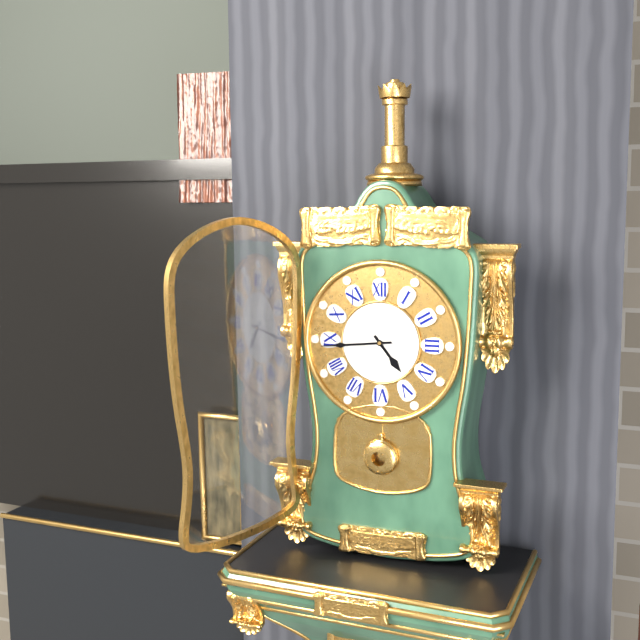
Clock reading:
**4:44**
